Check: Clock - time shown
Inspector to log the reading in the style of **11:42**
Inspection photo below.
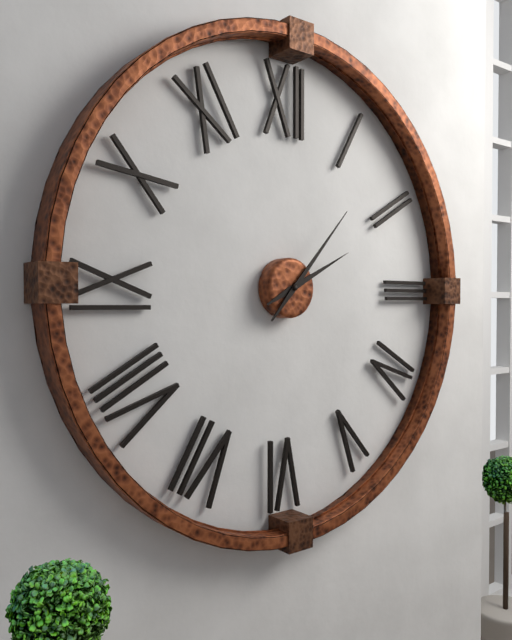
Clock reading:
**2:07**
